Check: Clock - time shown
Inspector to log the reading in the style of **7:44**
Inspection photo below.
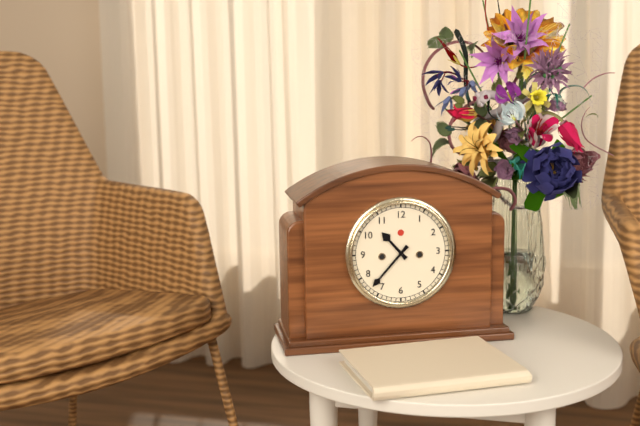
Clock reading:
**10:37**
